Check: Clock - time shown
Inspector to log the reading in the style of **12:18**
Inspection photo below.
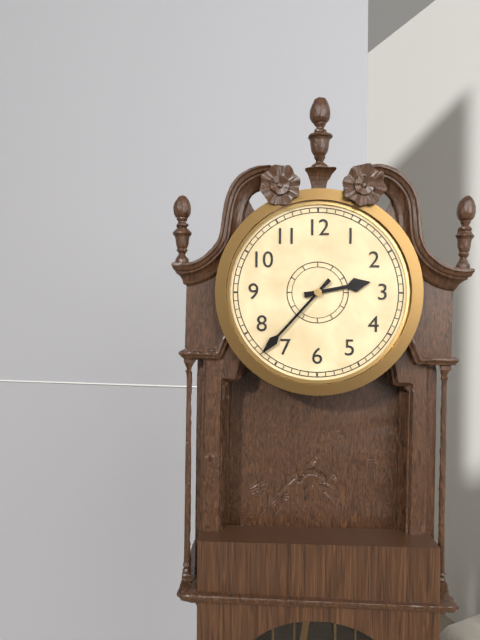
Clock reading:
**2:37**
